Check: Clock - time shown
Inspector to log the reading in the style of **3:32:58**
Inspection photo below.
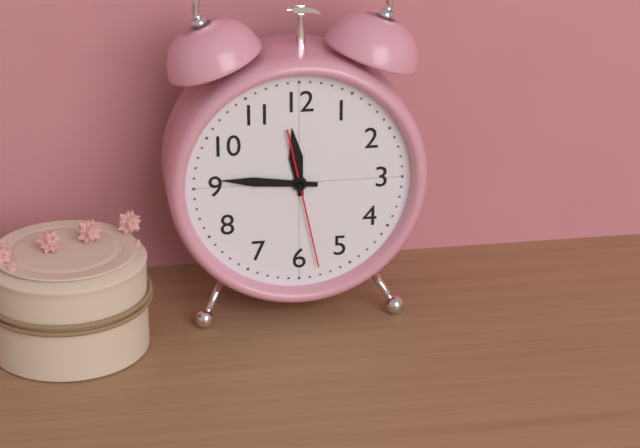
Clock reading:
**11:46:28**
